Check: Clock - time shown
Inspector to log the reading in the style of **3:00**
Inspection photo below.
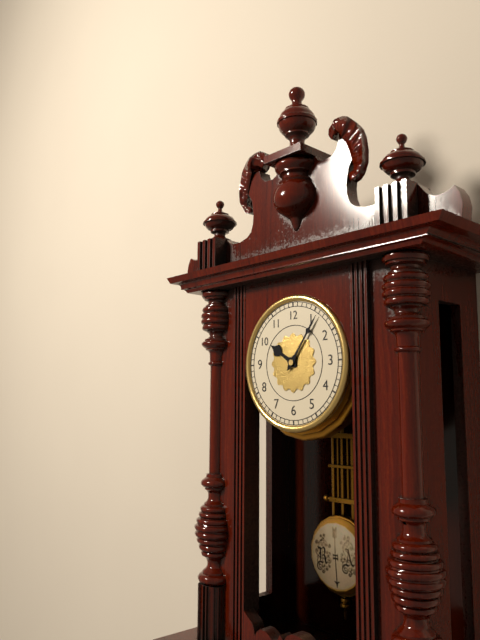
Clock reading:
**10:06**
